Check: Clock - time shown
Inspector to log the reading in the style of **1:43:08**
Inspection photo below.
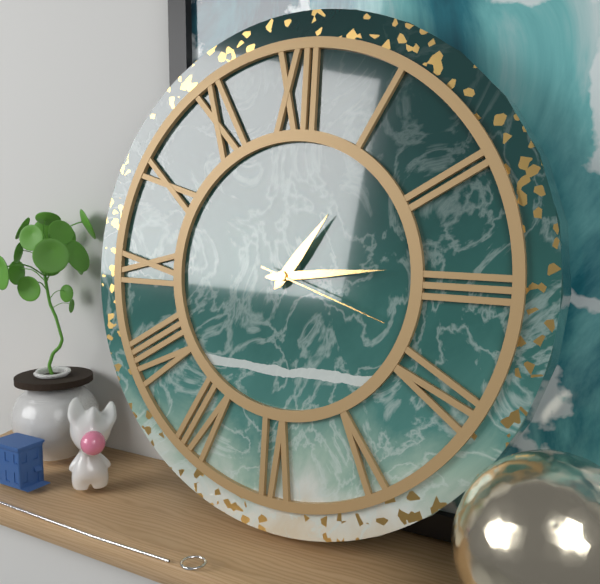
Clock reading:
**1:14:18**
